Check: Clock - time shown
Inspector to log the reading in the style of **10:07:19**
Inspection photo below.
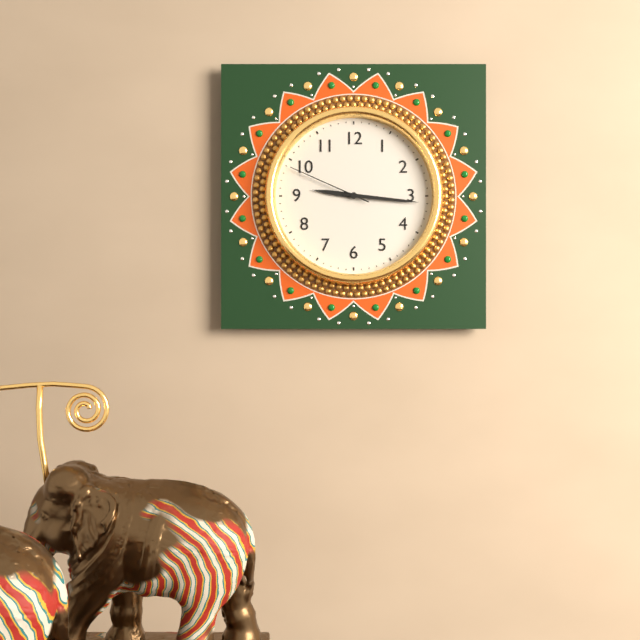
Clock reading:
**9:16:49**
